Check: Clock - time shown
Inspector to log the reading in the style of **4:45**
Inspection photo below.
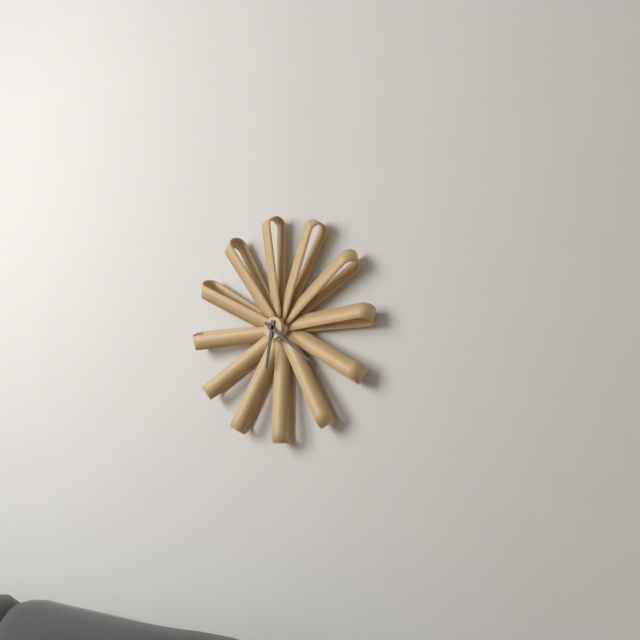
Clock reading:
**6:21**
